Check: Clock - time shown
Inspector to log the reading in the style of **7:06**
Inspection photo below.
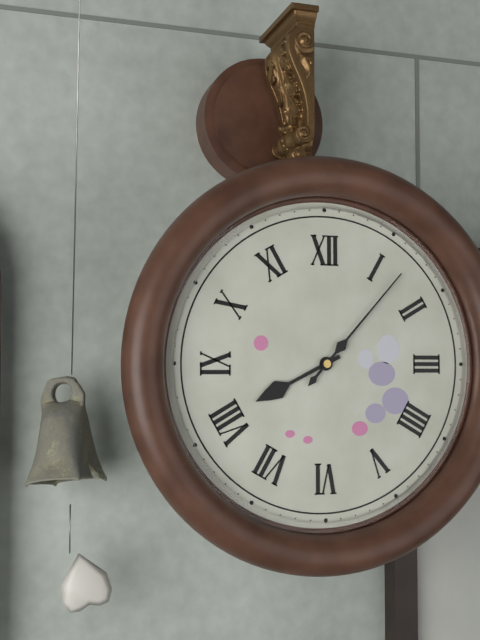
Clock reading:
**8:07**
